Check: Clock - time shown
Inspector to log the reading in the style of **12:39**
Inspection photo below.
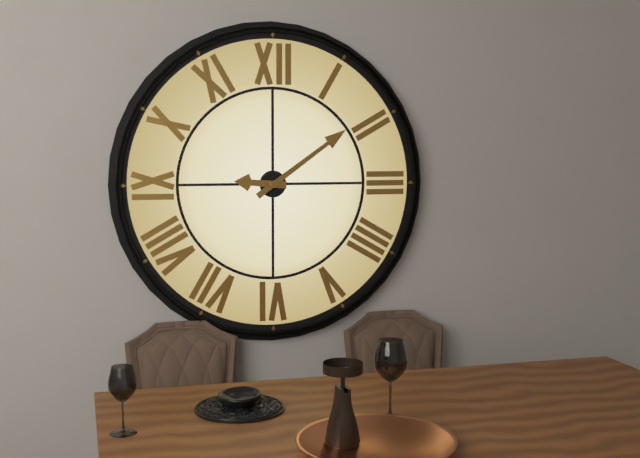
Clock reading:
**9:09**
